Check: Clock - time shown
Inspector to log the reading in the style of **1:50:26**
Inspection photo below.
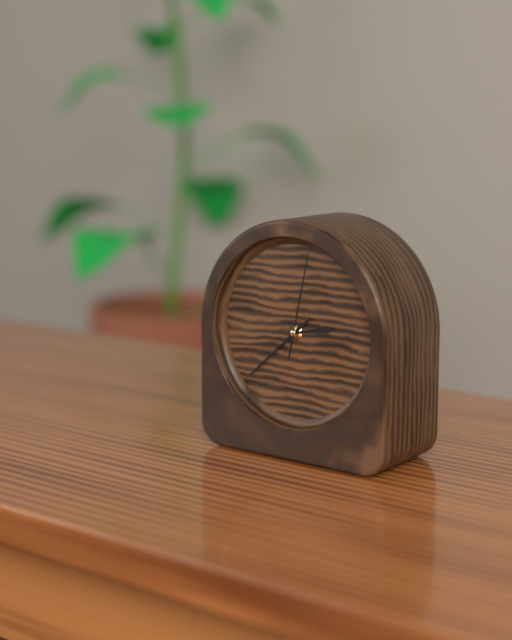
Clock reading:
**2:38:02**
